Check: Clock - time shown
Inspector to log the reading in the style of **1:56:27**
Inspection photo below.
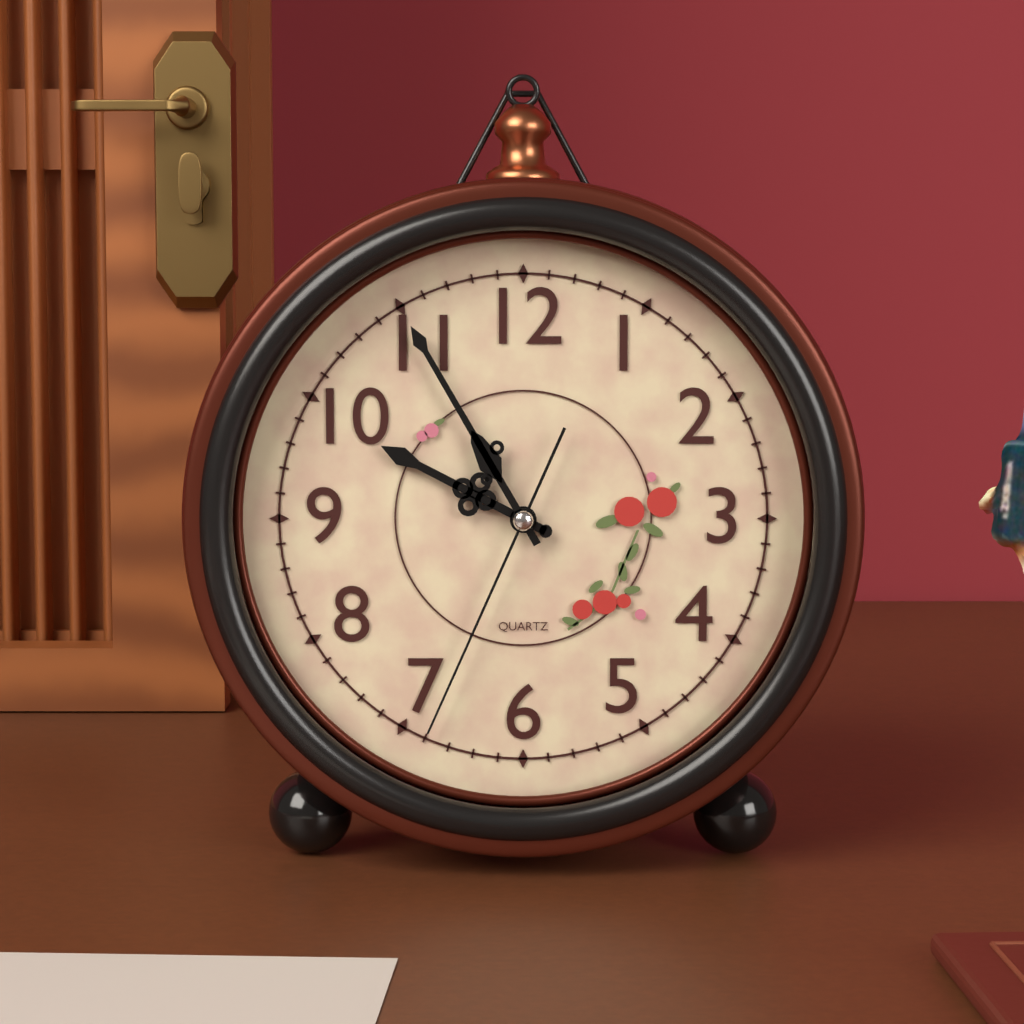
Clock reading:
**9:55:34**
